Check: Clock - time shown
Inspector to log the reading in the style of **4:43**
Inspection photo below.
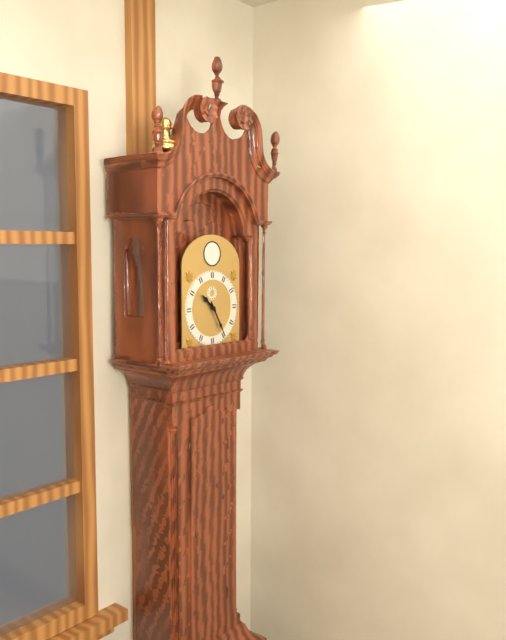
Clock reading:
**10:25**
